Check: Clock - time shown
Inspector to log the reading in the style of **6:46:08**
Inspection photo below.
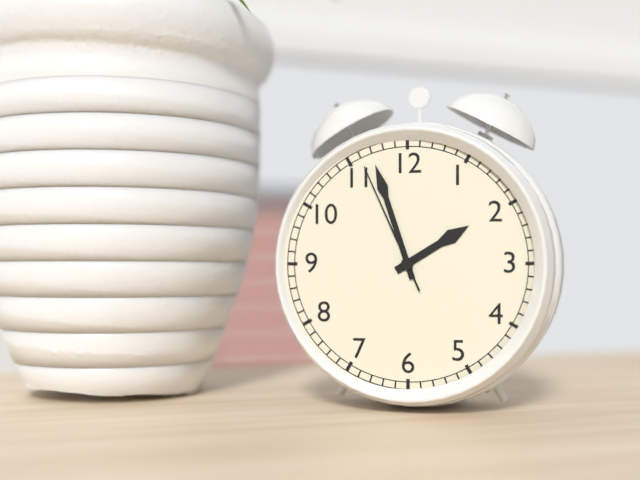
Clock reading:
**1:57:56**
